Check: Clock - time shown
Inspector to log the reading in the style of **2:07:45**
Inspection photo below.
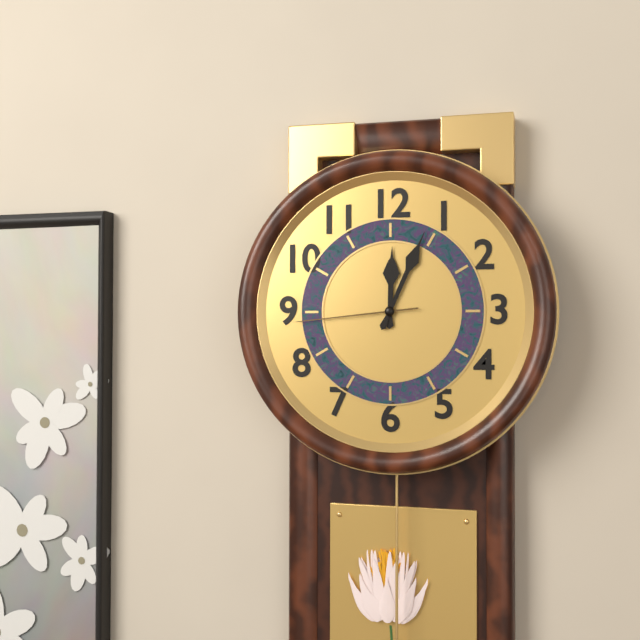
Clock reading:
**12:04:44**
